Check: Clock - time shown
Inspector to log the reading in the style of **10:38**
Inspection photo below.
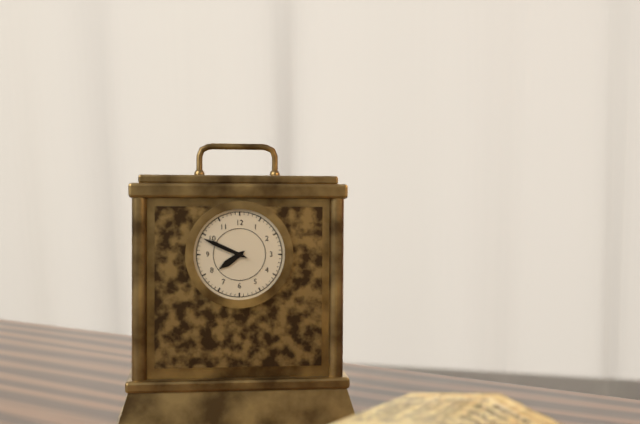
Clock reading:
**7:49**
